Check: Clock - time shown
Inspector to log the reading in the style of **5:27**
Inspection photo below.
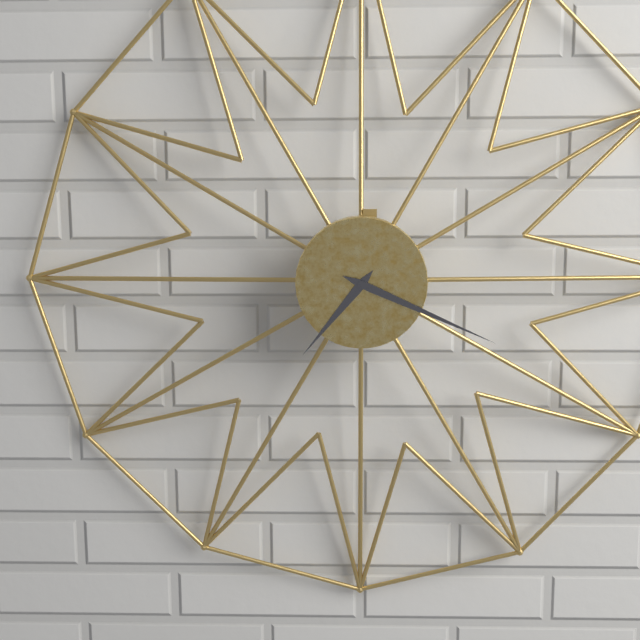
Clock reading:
**7:19**
